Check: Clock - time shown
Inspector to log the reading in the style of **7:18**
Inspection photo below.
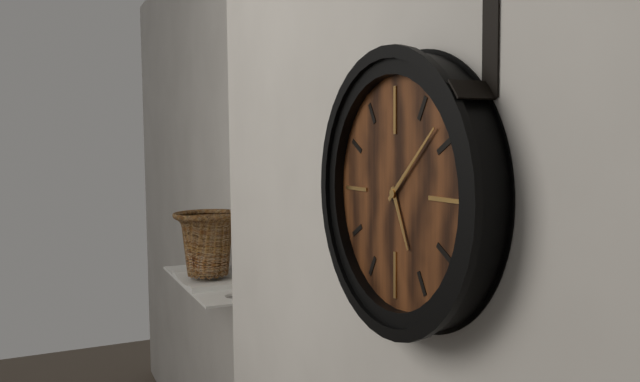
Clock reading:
**5:08**
